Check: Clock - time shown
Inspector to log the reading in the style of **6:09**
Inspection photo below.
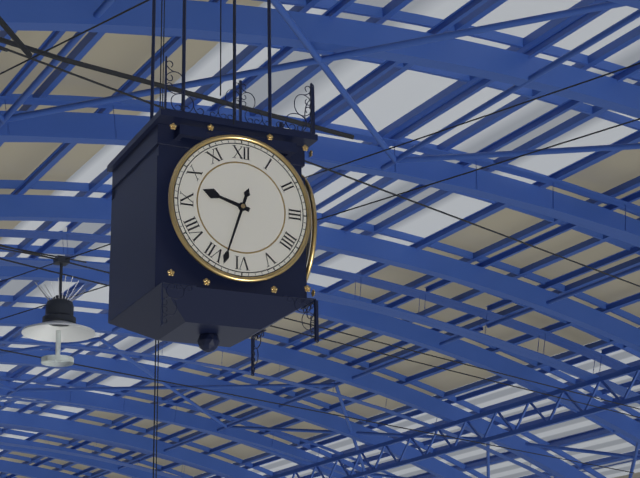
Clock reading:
**9:33**
